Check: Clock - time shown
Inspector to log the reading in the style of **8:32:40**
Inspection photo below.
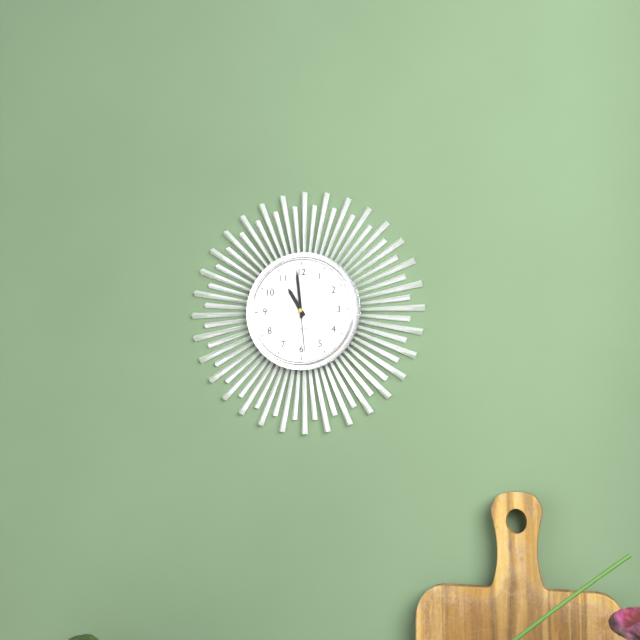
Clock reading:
**10:59:29**
